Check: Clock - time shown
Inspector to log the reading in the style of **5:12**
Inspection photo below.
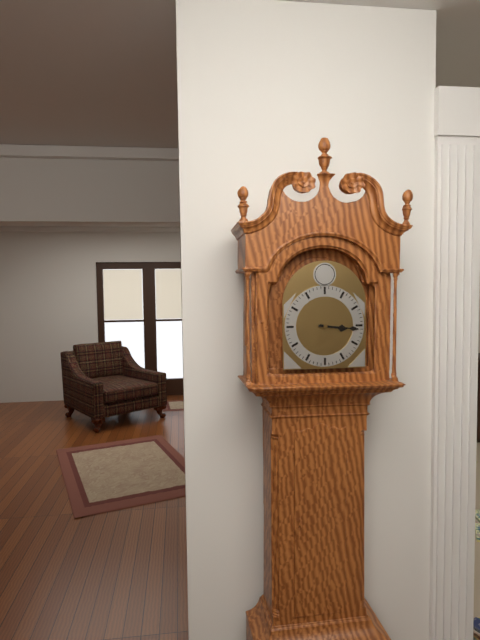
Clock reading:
**3:16**
